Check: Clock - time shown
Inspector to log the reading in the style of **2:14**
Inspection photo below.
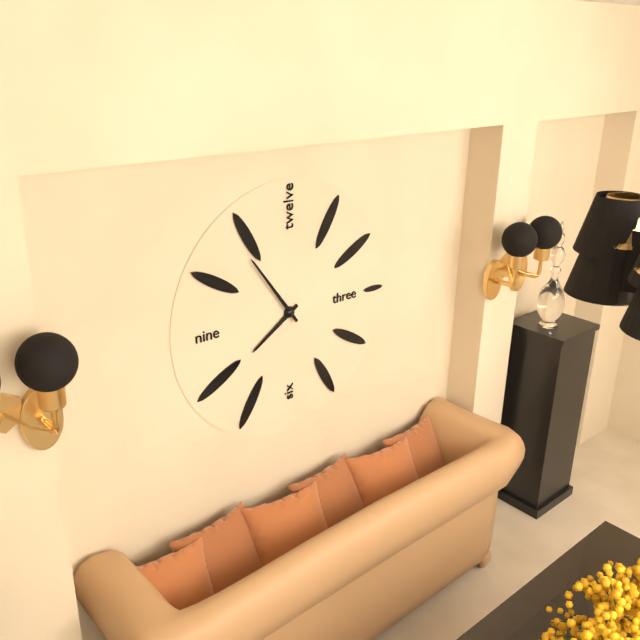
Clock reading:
**7:54**
